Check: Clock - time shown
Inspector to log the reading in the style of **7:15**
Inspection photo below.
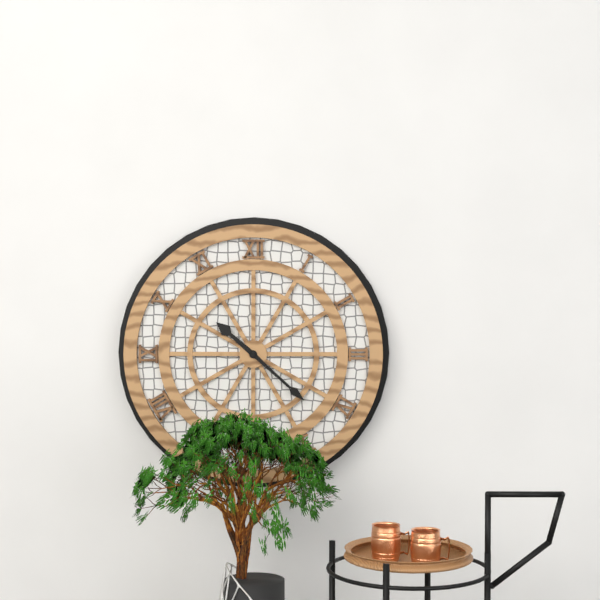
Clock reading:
**10:22**
